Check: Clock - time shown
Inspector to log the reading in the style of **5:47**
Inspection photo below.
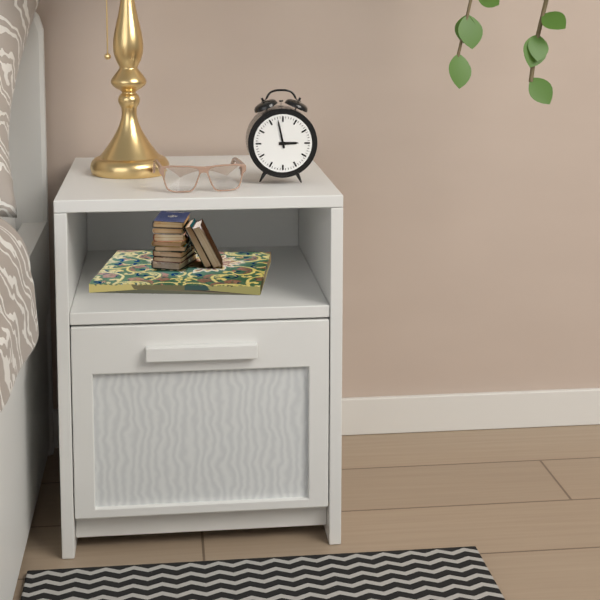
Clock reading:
**2:58**
